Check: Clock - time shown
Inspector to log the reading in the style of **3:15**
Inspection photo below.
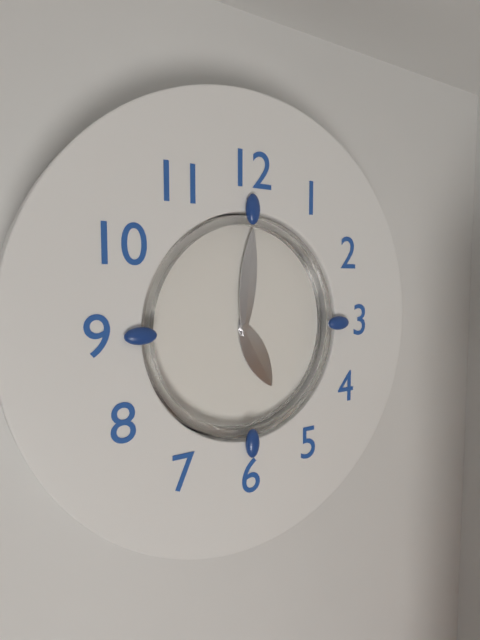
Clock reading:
**5:01**
